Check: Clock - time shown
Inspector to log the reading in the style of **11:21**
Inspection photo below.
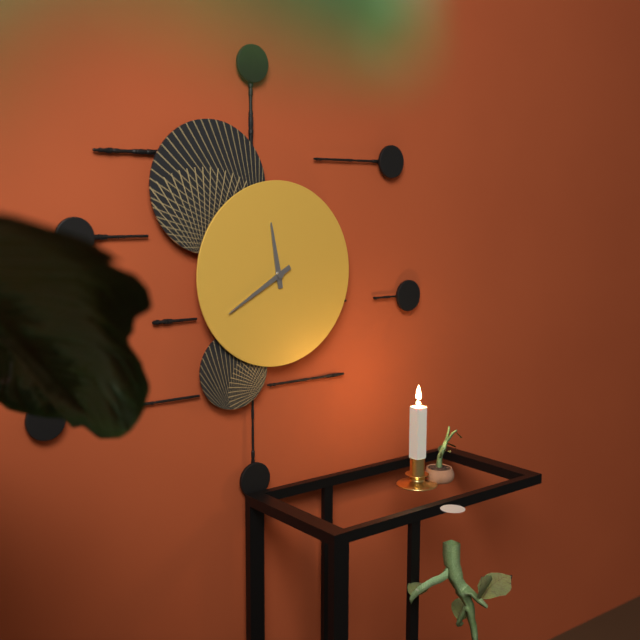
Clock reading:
**11:40**
